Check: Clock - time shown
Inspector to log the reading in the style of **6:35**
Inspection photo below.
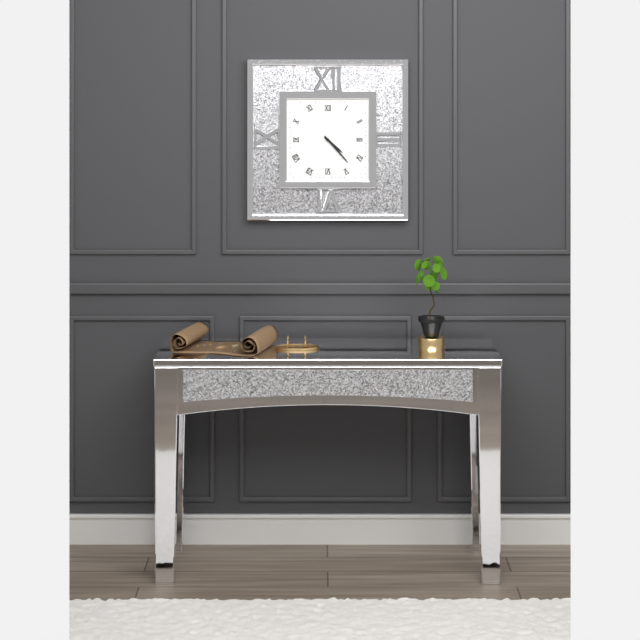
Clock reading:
**4:23**
